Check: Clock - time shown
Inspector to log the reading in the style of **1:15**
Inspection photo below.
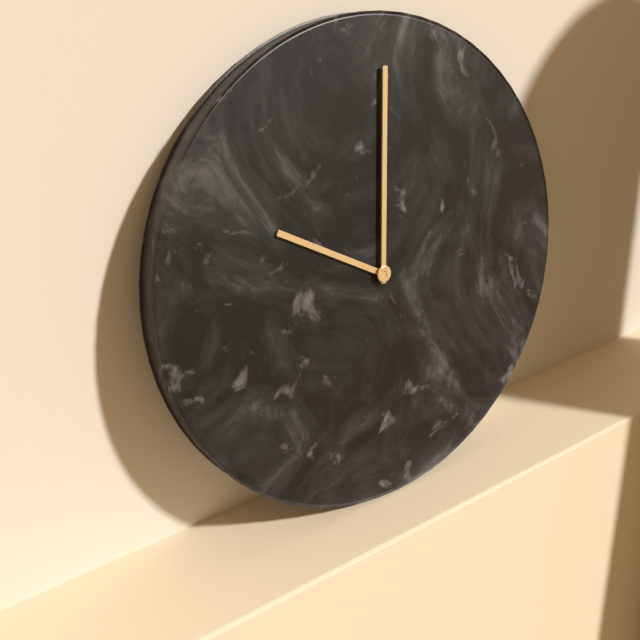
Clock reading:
**10:01**
